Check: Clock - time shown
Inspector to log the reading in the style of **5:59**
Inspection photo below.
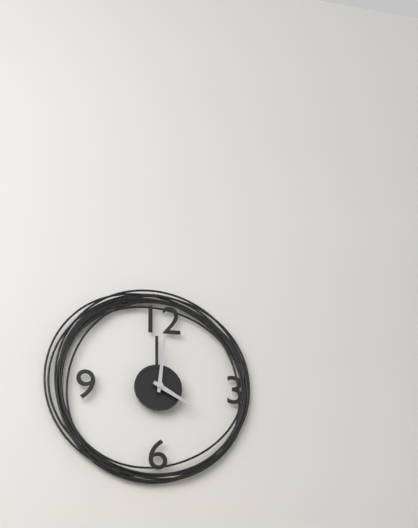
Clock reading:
**4:01**
